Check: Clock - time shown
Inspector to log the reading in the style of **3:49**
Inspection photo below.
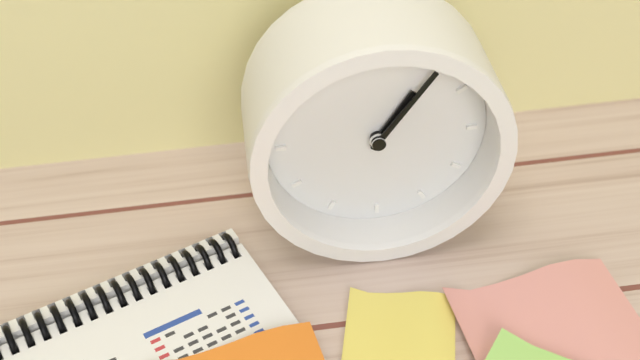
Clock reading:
**1:06**
